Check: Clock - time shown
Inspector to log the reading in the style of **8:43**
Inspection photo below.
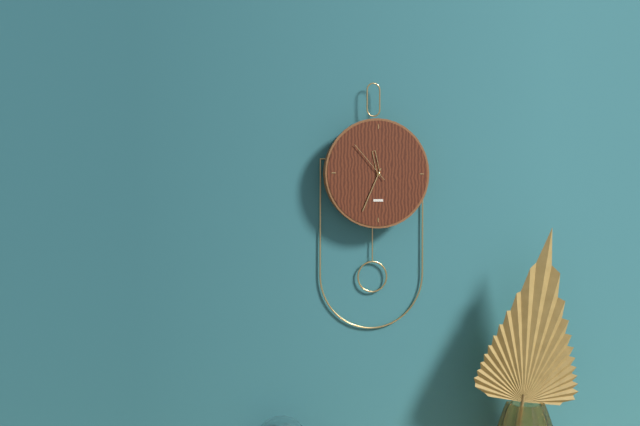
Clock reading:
**11:34**
